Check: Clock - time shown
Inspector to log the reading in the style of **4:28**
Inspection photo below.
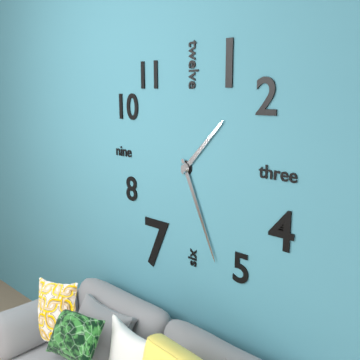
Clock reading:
**1:26**
